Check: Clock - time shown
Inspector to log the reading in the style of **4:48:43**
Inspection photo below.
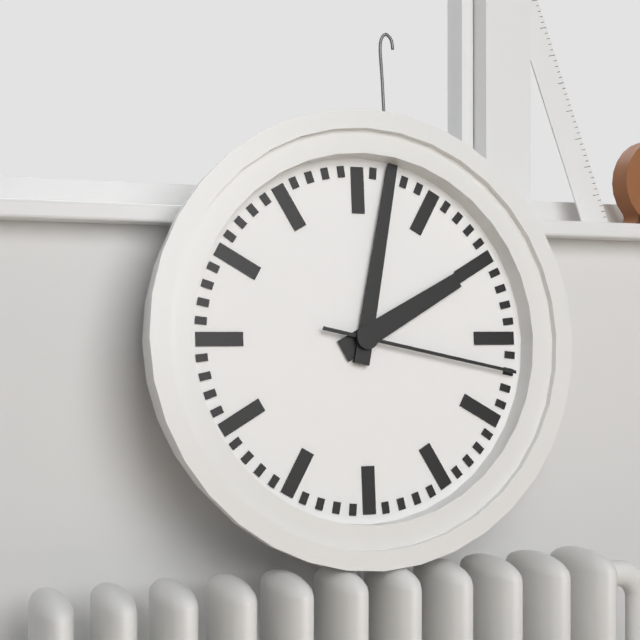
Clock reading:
**2:02:17**
